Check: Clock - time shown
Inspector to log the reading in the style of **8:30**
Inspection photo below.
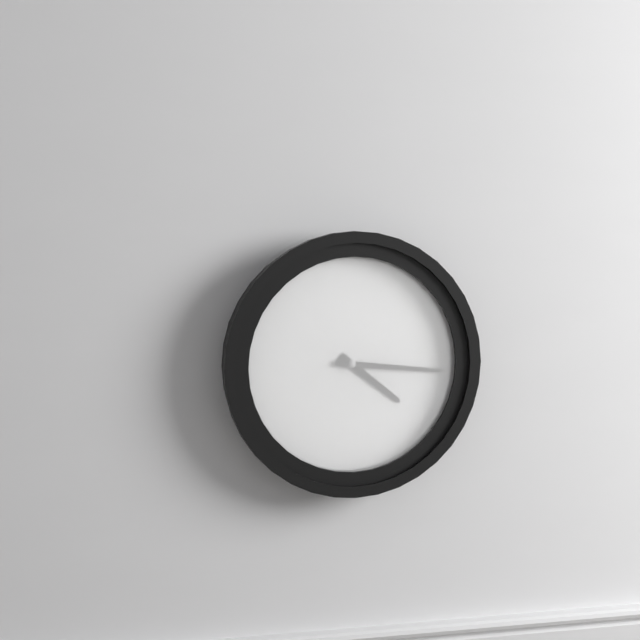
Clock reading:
**4:16**
